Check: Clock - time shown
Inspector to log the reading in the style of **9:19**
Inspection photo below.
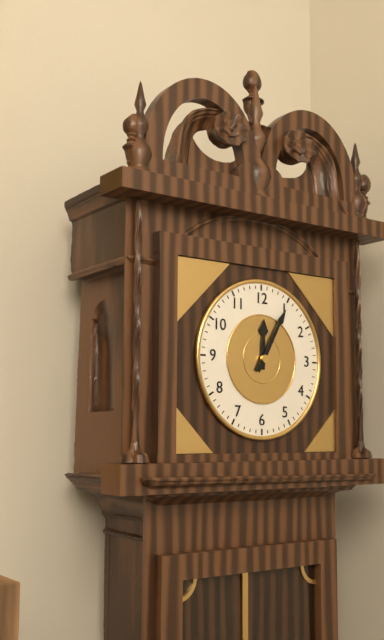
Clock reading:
**12:05**
